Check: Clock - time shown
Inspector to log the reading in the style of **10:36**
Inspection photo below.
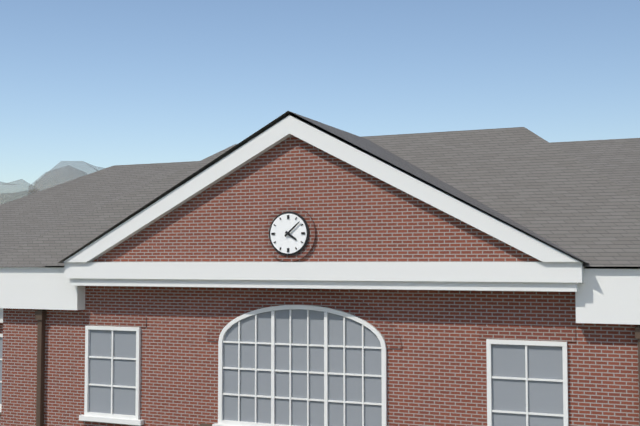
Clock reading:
**4:08**
